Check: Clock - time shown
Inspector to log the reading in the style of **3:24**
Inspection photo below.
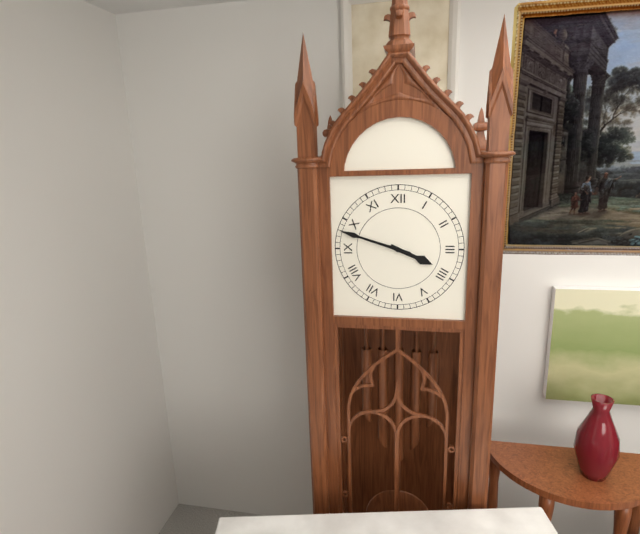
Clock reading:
**3:48**
